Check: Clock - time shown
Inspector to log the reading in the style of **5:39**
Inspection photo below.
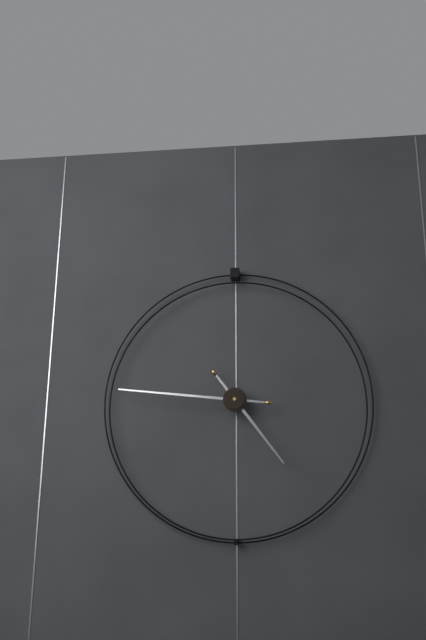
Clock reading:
**4:46**
